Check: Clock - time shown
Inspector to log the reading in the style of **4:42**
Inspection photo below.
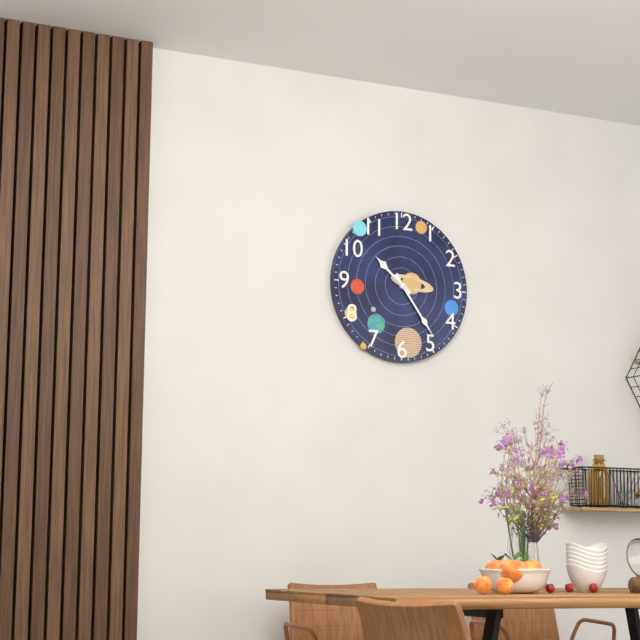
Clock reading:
**10:24**
